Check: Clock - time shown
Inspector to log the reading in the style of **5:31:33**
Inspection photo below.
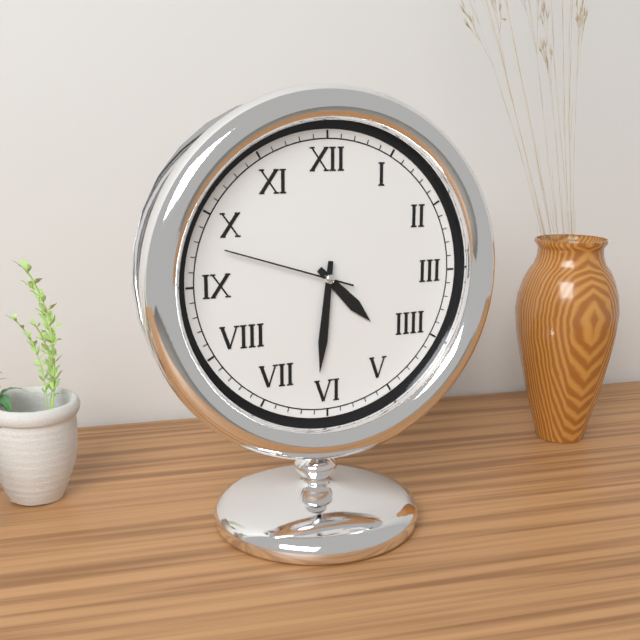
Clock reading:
**4:31:48**
